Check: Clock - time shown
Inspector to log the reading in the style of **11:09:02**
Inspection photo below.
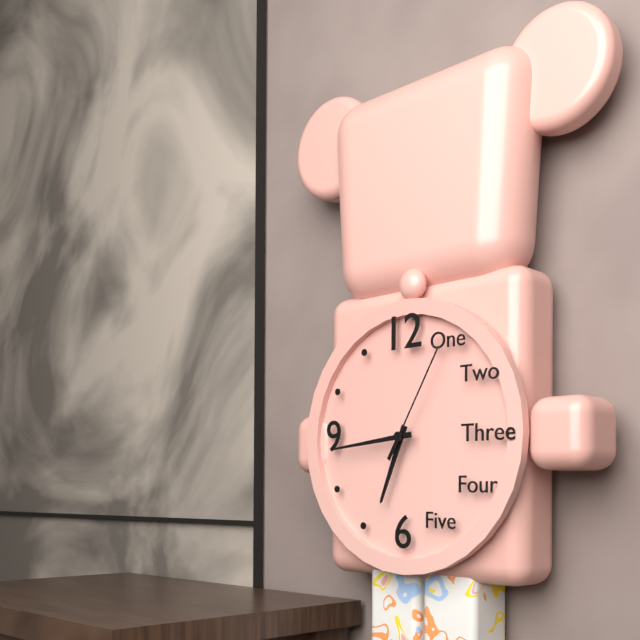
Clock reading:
**6:44:05**
